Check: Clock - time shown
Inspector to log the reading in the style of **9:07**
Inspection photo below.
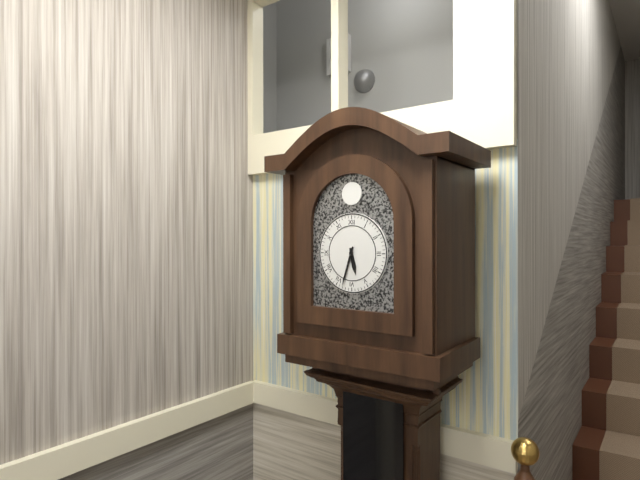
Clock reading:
**5:33**
